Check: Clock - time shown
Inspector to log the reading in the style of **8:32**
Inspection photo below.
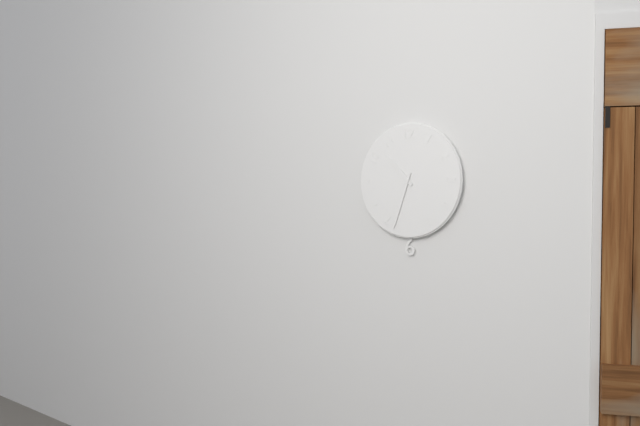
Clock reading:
**10:33**
